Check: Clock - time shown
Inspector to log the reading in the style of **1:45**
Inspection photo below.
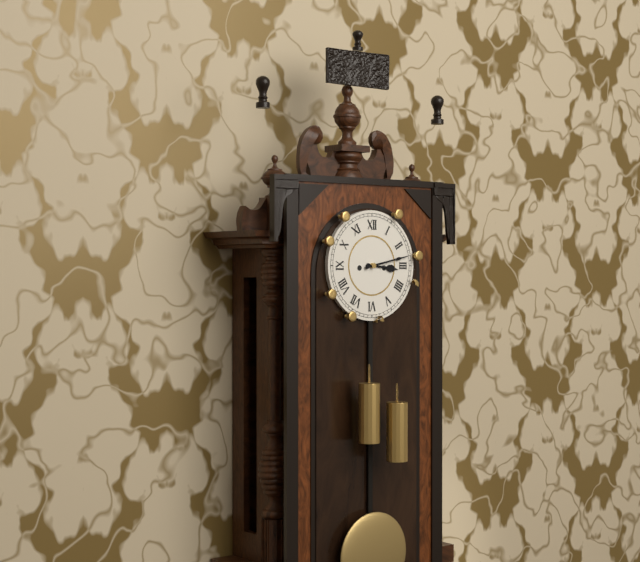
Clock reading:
**3:13**
